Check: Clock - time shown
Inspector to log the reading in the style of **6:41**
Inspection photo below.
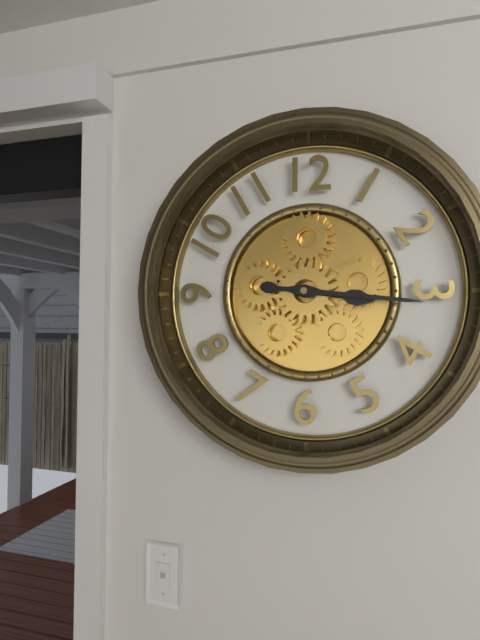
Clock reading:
**3:16**
